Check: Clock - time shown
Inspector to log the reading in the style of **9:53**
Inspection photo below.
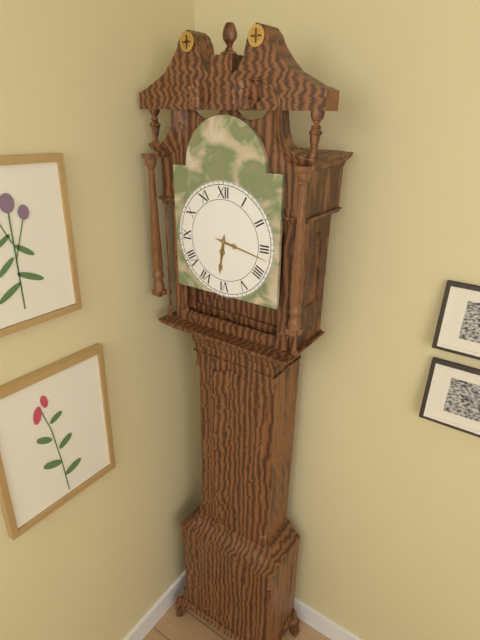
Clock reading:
**6:17**
